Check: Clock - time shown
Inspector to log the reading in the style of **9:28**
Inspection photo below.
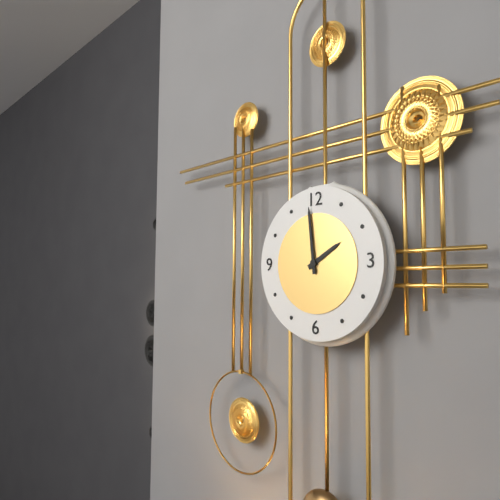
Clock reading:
**1:59**
